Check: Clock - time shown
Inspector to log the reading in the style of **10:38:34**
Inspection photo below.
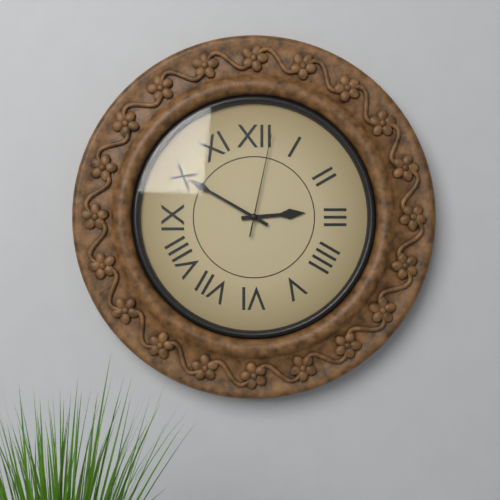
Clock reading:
**2:50:02**
